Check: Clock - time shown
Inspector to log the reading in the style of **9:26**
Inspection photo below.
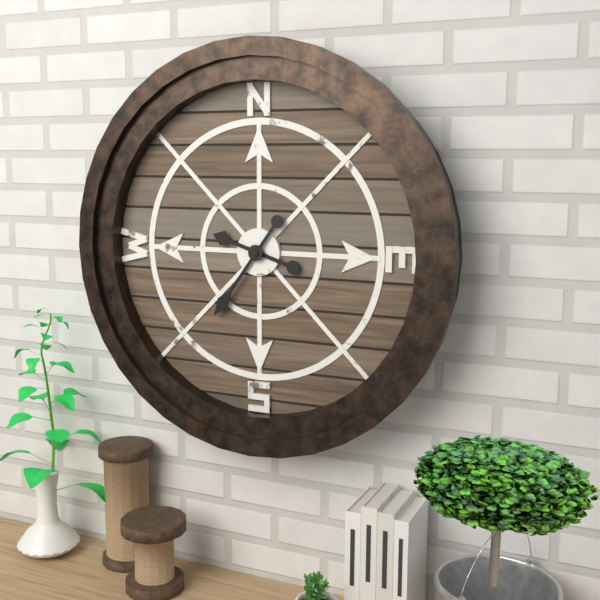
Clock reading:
**9:36**
